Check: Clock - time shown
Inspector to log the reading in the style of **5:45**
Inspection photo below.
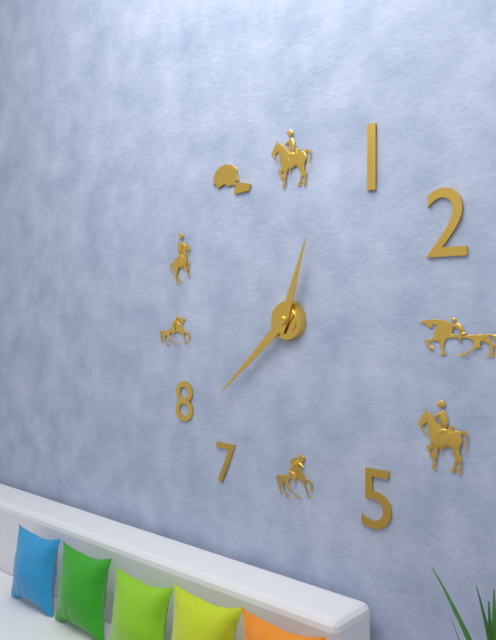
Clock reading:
**12:38**
